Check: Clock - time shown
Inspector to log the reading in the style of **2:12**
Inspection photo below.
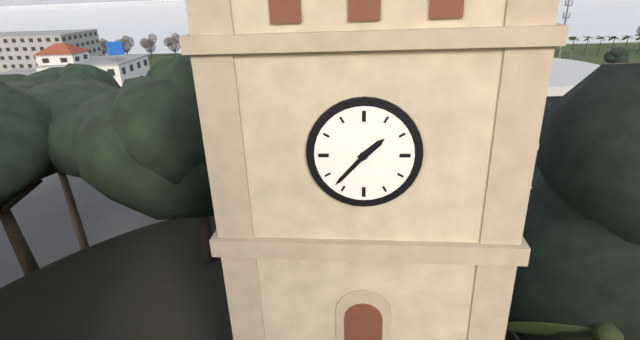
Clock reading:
**1:37**
